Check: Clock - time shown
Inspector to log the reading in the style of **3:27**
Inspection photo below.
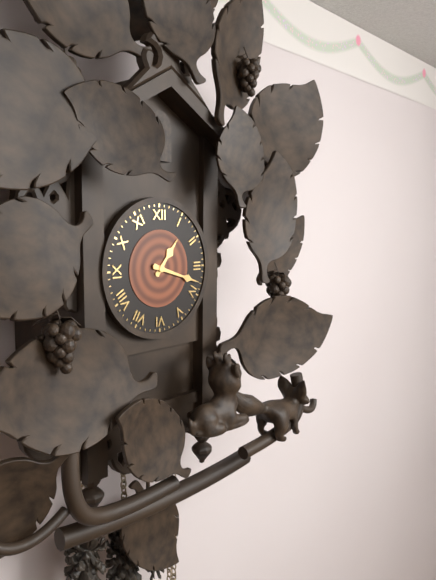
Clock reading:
**1:18**
